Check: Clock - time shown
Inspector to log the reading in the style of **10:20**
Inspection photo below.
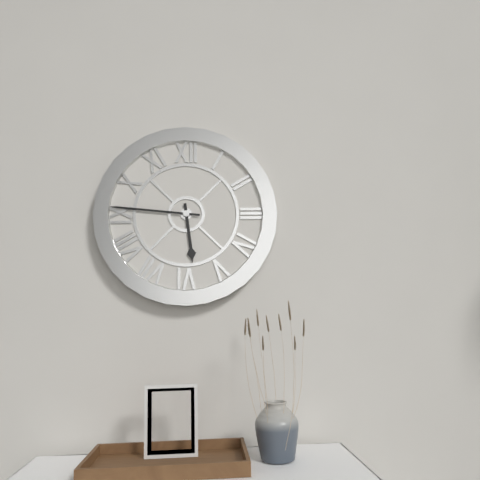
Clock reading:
**5:46**
